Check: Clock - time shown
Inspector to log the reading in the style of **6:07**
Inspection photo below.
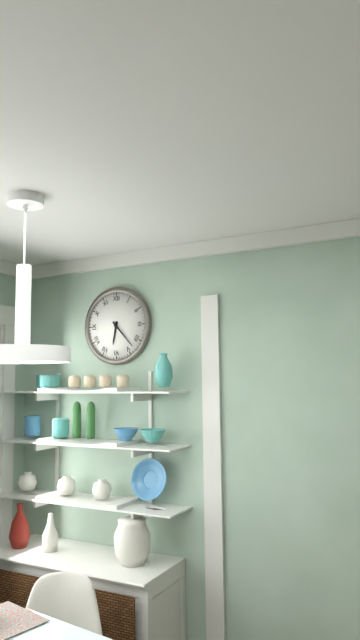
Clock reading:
**6:23**
